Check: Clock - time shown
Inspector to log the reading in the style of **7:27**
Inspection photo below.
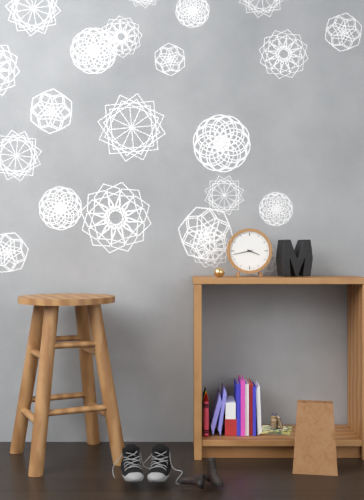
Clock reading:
**3:43**
